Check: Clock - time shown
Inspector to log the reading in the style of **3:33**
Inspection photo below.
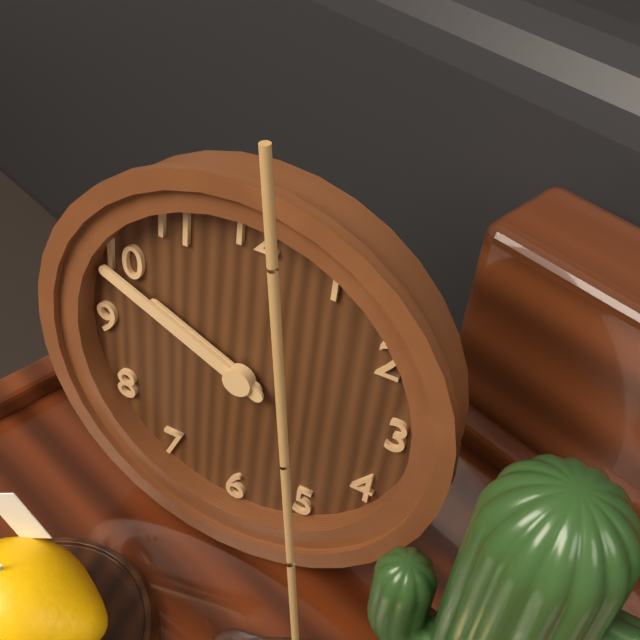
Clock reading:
**9:49**
